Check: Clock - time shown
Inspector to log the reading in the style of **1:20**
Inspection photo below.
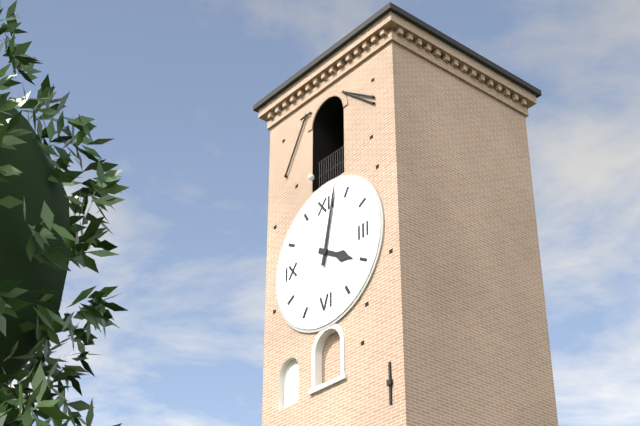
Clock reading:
**4:02**
